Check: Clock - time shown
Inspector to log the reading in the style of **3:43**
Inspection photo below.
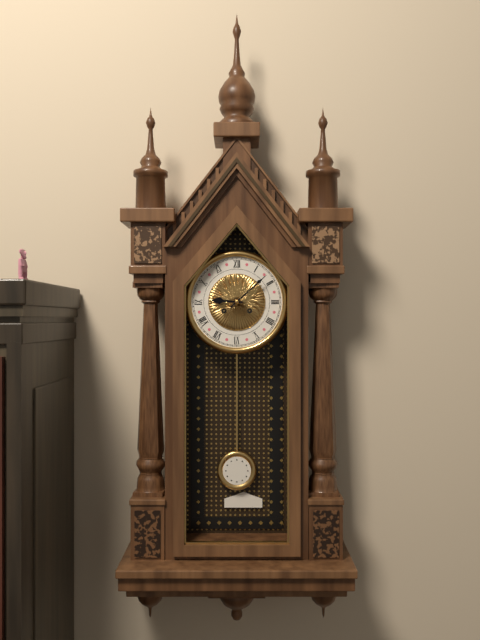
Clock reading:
**9:08**
